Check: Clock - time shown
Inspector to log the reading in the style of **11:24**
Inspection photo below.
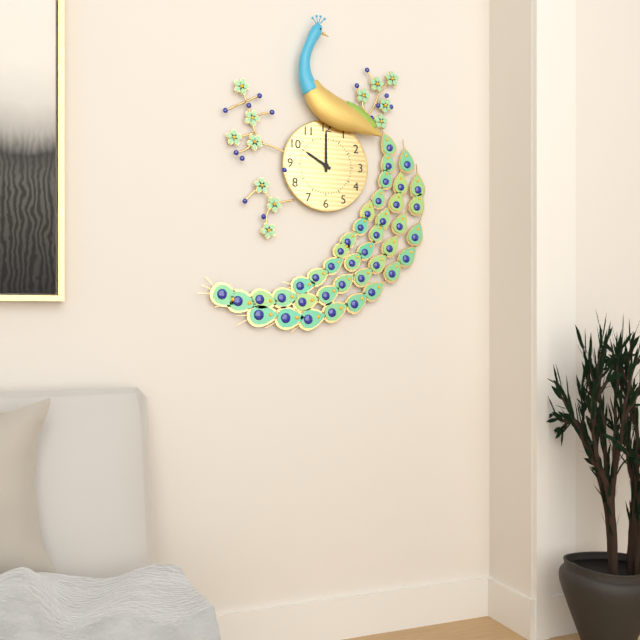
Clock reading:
**10:00**
